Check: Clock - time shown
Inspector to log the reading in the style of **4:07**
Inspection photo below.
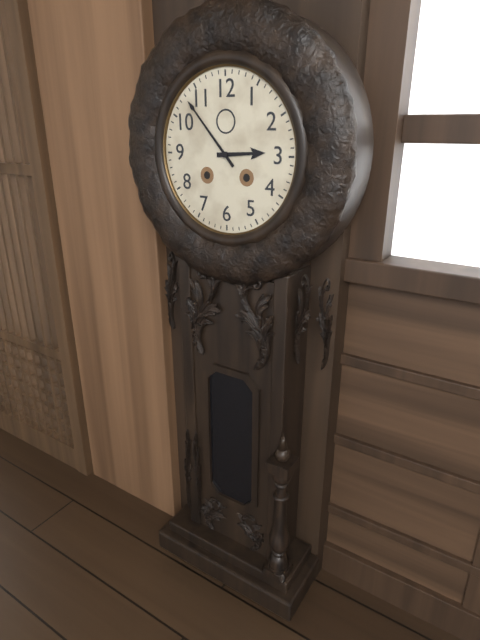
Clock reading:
**2:53**
